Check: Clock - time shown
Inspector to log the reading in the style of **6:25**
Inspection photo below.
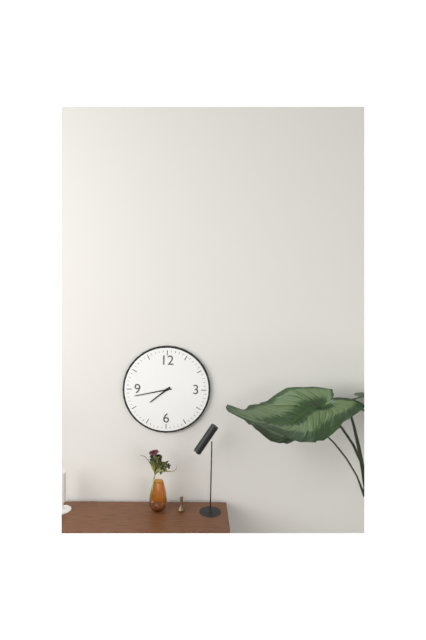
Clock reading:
**7:43**
